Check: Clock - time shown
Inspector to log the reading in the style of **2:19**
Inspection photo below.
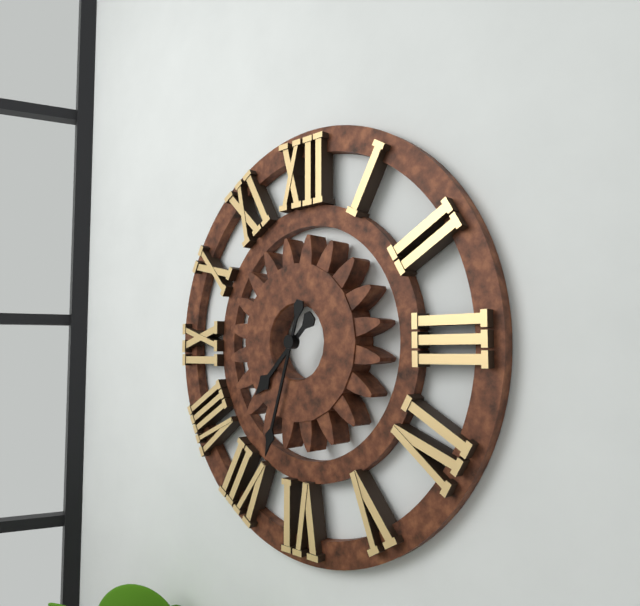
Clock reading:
**7:33**
